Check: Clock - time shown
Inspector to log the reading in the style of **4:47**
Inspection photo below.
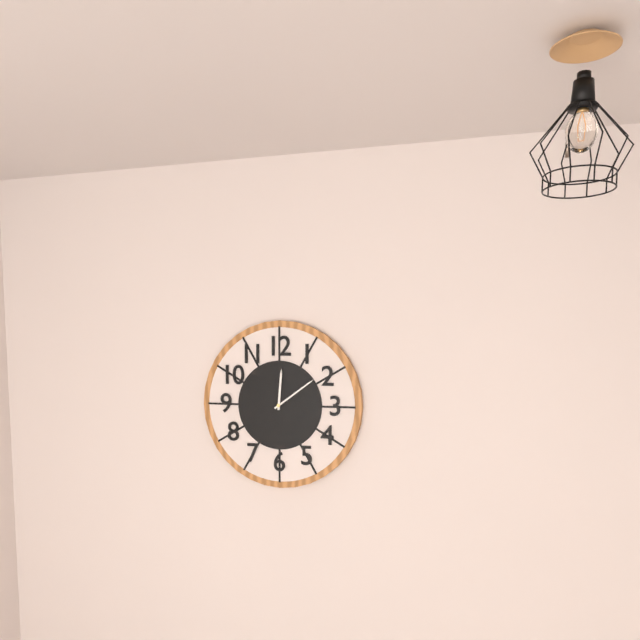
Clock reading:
**12:09**
